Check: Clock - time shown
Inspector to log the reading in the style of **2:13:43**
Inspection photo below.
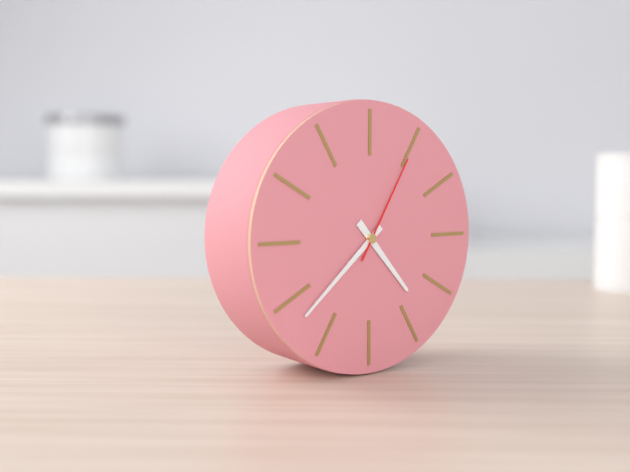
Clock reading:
**4:38:05**
